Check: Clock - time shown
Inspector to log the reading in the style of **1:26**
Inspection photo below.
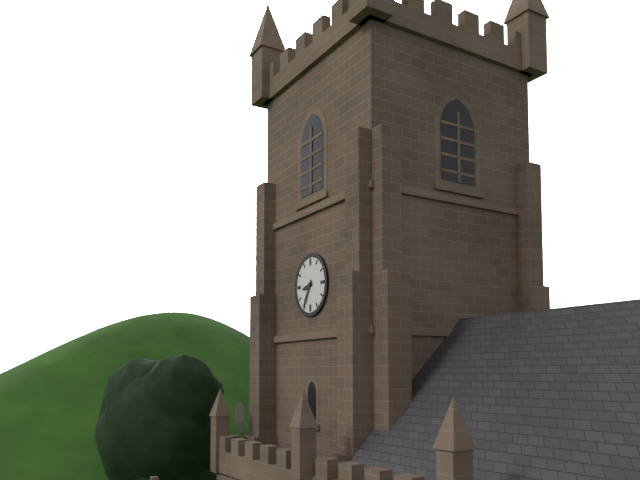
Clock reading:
**8:35**
